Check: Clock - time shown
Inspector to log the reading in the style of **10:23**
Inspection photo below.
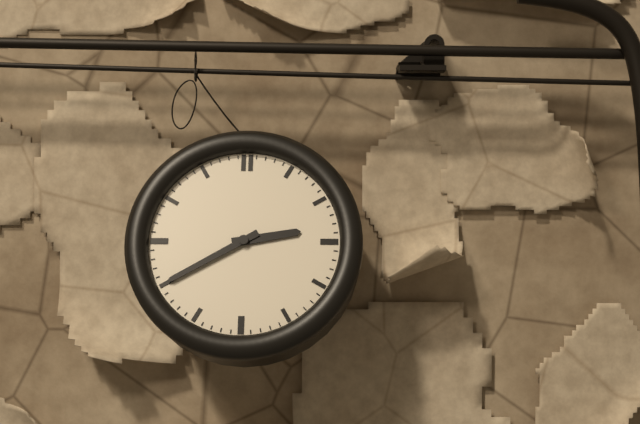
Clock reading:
**2:40**
